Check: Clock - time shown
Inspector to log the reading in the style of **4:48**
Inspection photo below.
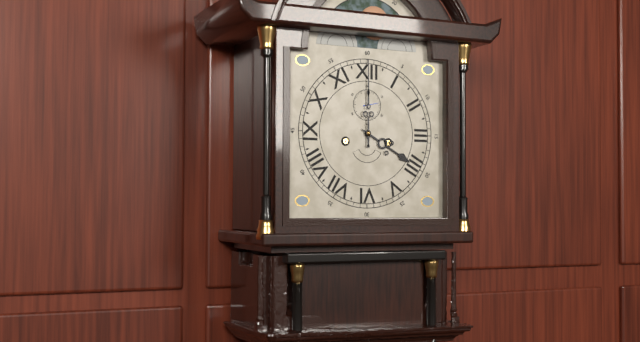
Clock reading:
**4:00**
